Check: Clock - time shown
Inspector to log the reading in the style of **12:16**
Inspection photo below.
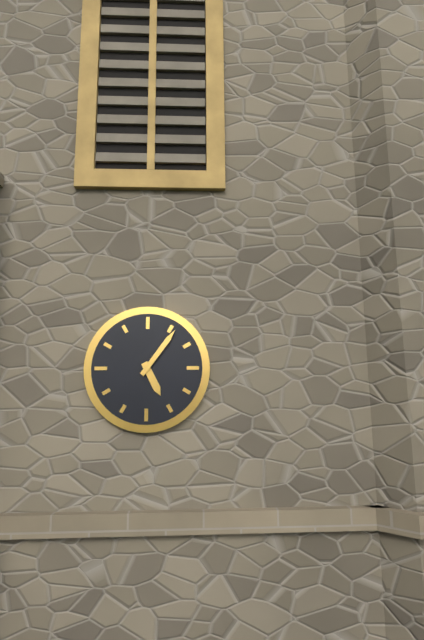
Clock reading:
**5:06**
